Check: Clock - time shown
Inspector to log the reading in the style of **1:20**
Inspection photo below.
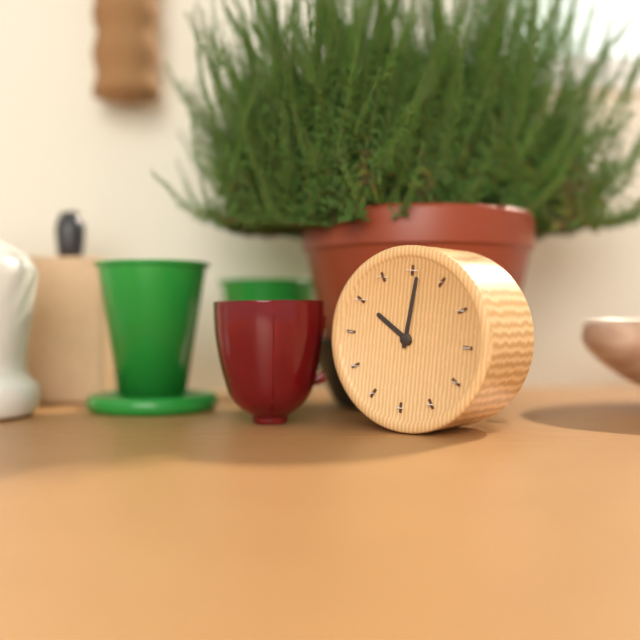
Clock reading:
**10:01**
